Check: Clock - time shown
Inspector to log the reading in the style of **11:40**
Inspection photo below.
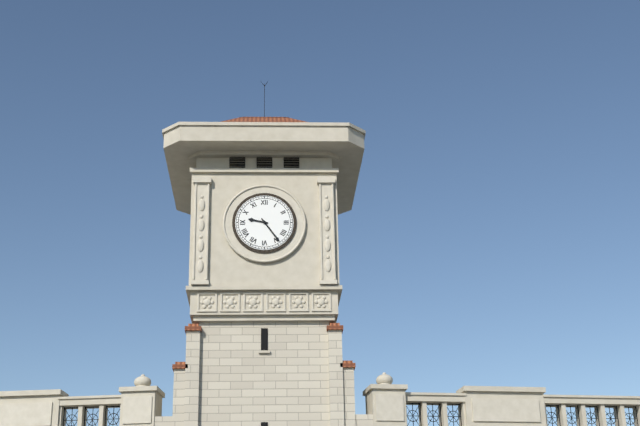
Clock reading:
**9:24**
